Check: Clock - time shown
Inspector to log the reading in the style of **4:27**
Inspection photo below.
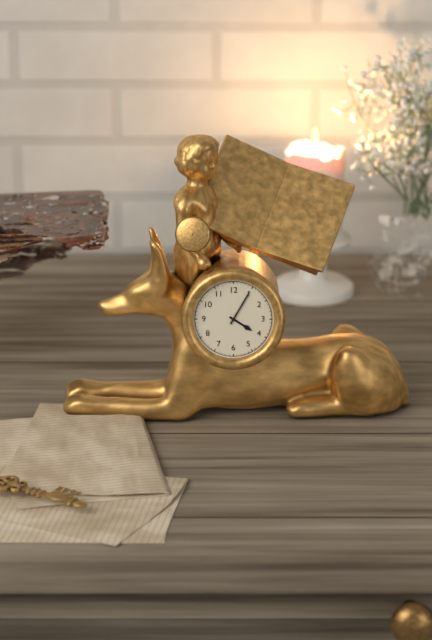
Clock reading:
**4:05**
